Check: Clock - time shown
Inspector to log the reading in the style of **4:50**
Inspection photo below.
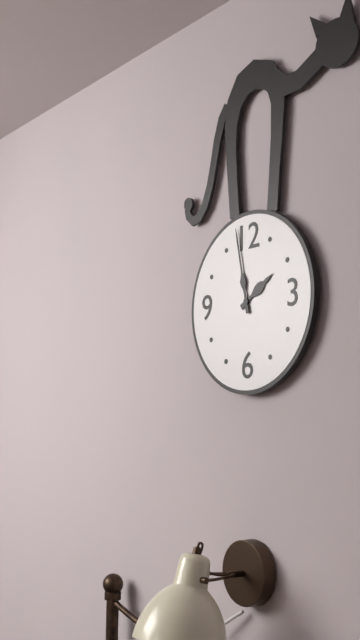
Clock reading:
**1:58**
